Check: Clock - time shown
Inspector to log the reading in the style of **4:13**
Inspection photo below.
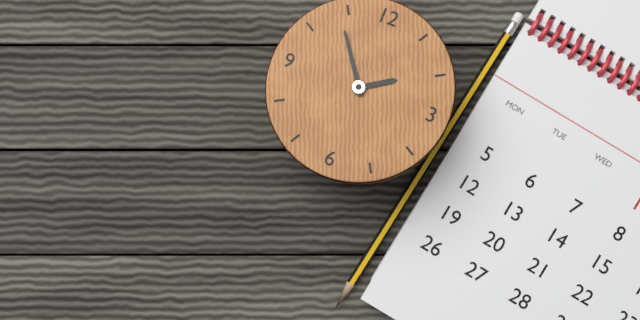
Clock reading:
**1:54**
